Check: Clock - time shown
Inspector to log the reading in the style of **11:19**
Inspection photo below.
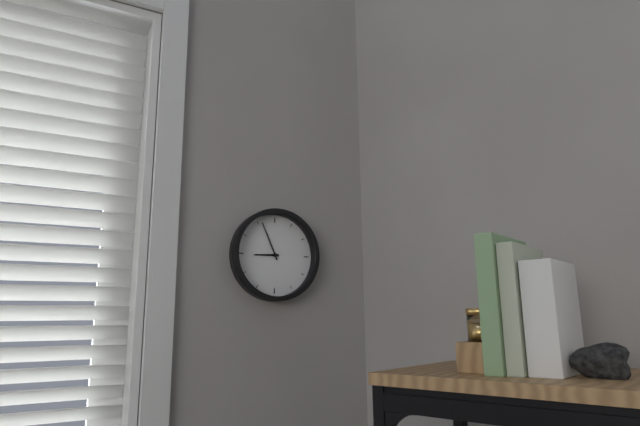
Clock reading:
**8:56**
